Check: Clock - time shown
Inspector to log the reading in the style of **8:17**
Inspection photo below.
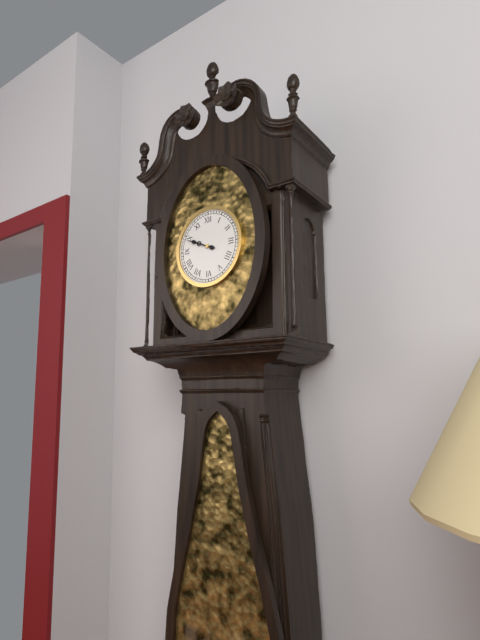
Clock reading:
**9:49**
